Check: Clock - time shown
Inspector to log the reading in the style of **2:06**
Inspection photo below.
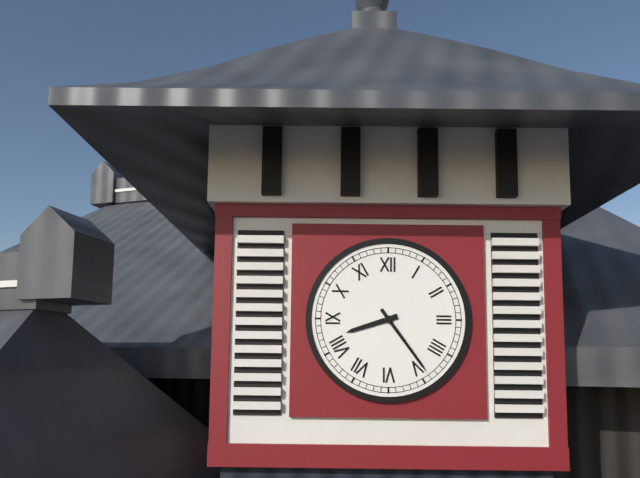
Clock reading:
**8:24**
